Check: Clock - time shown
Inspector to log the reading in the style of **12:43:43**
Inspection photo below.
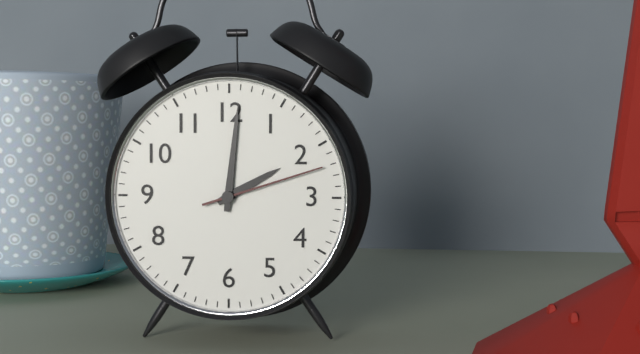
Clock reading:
**2:01:12**
